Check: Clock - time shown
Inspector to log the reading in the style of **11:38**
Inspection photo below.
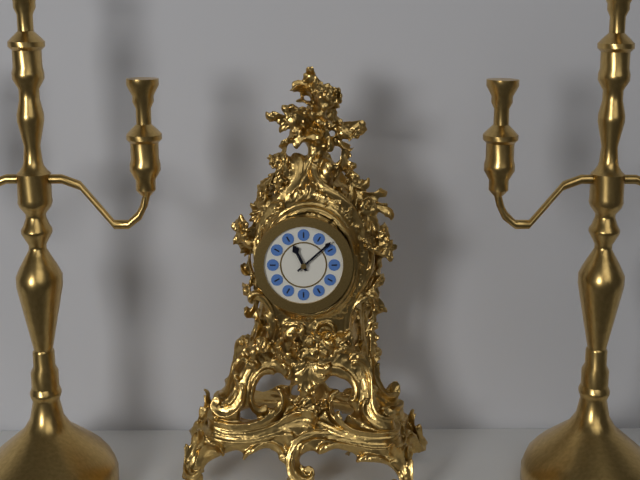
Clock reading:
**11:08**
